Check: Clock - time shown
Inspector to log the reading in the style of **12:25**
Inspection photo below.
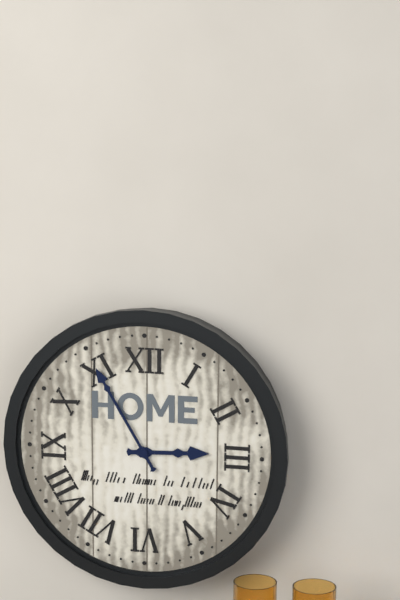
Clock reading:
**2:55**
